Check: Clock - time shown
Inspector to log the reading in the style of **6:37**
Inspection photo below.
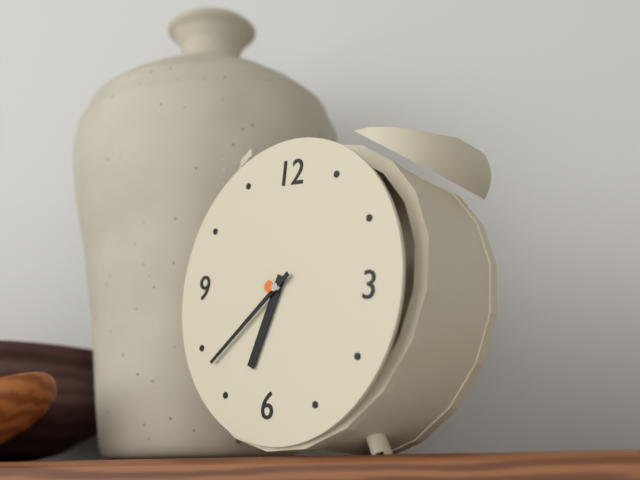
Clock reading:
**6:38**
